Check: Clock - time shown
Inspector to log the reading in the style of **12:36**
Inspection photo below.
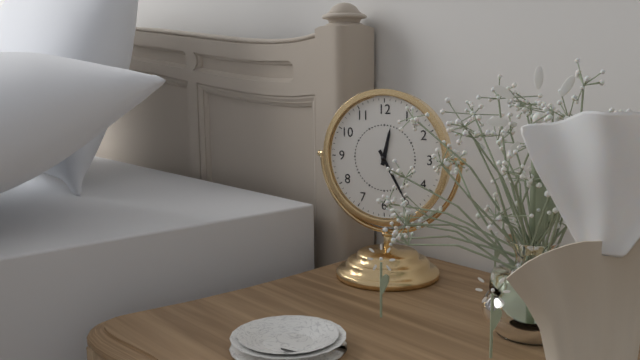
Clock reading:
**12:25**
